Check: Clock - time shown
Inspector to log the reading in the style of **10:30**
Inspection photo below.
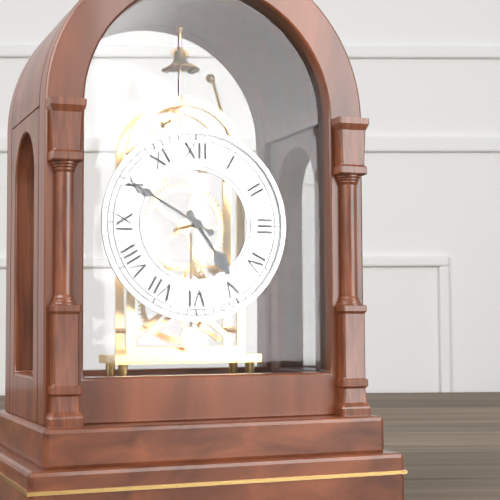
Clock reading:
**4:50**
